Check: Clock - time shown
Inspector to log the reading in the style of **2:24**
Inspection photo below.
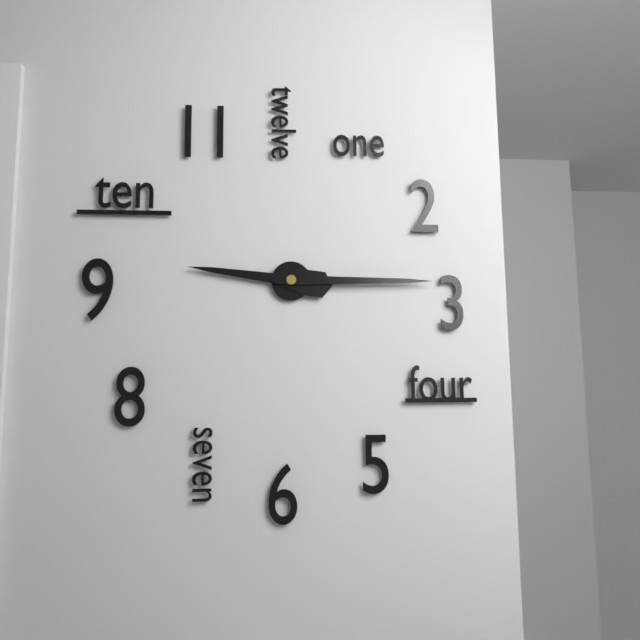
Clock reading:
**9:15**
